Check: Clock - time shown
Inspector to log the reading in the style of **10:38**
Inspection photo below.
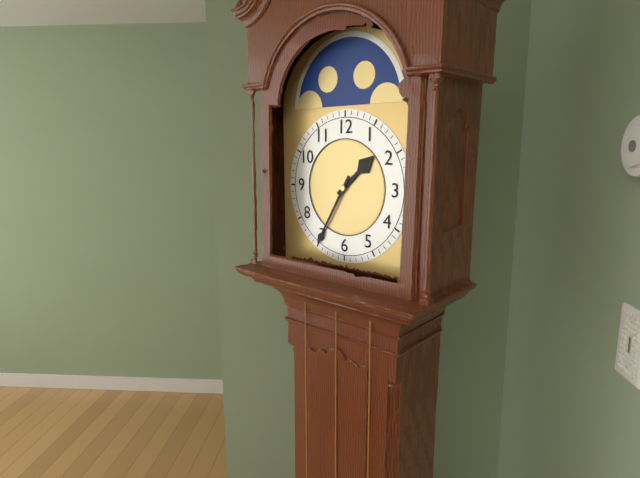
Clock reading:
**1:35**
